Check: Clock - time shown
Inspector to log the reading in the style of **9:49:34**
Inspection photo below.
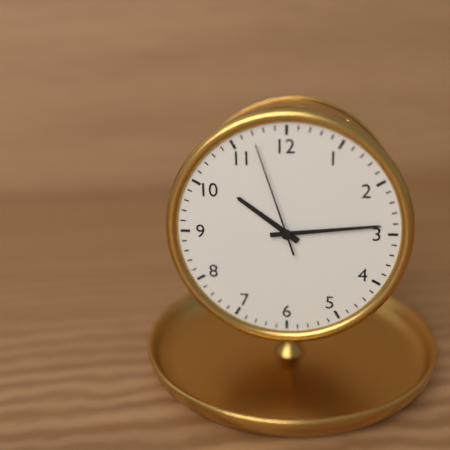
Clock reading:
**10:14:57**
